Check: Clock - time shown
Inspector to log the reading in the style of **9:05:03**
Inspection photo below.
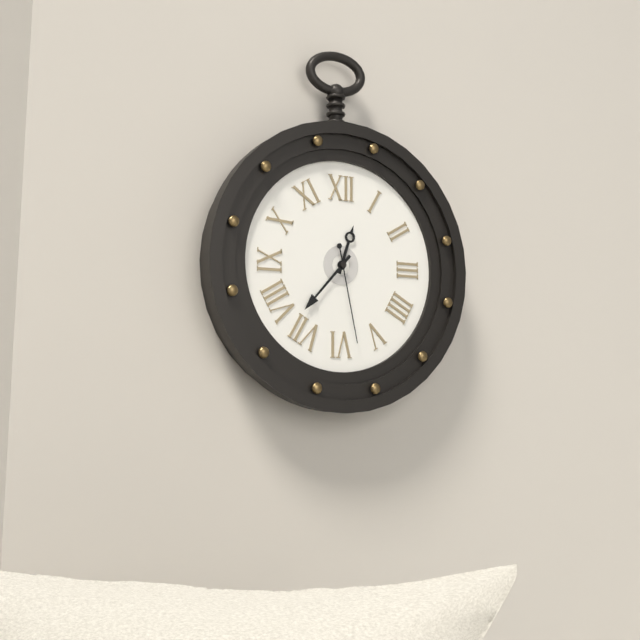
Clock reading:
**12:37:28**
